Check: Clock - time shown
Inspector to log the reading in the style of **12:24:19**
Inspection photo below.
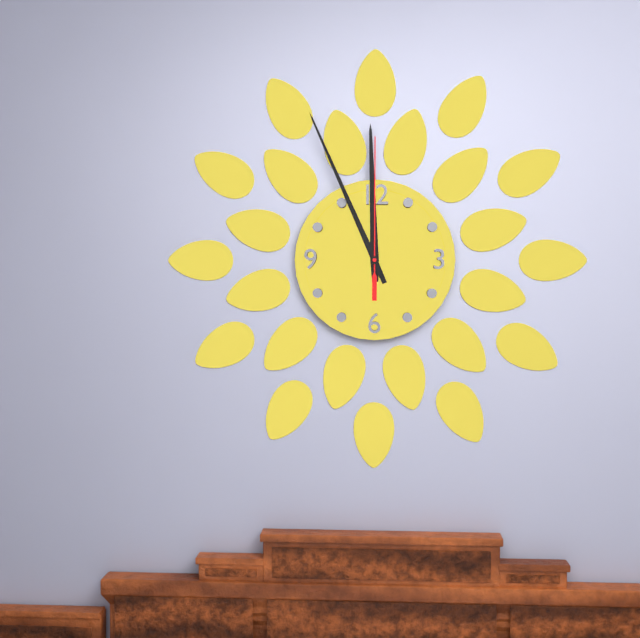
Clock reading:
**11:56:00**
